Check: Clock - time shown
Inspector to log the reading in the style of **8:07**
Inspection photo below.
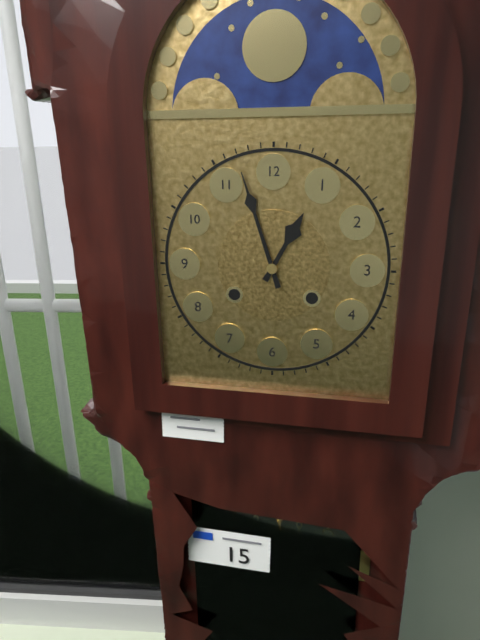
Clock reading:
**12:57**
